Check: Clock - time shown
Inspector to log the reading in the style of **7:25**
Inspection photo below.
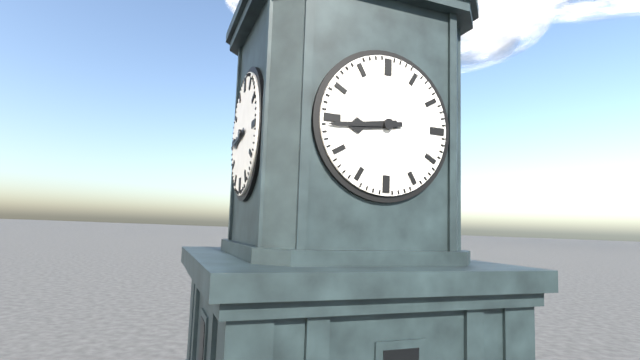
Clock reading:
**8:44**
